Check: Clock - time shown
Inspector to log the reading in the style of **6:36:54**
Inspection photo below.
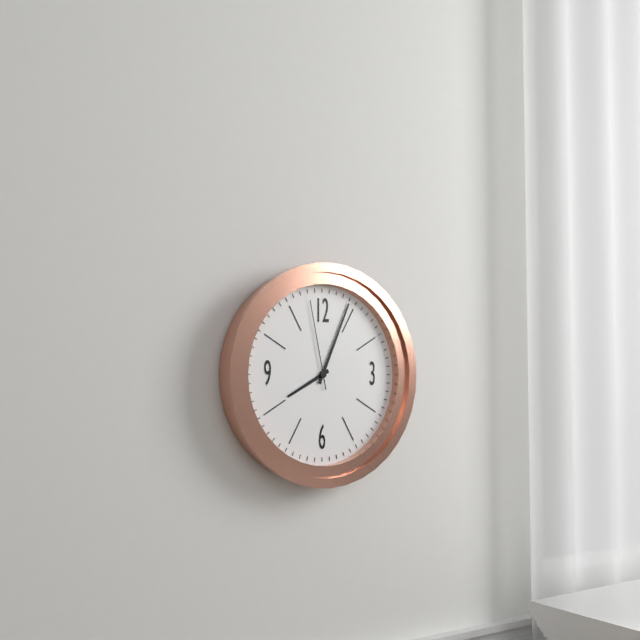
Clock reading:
**8:04:58**
